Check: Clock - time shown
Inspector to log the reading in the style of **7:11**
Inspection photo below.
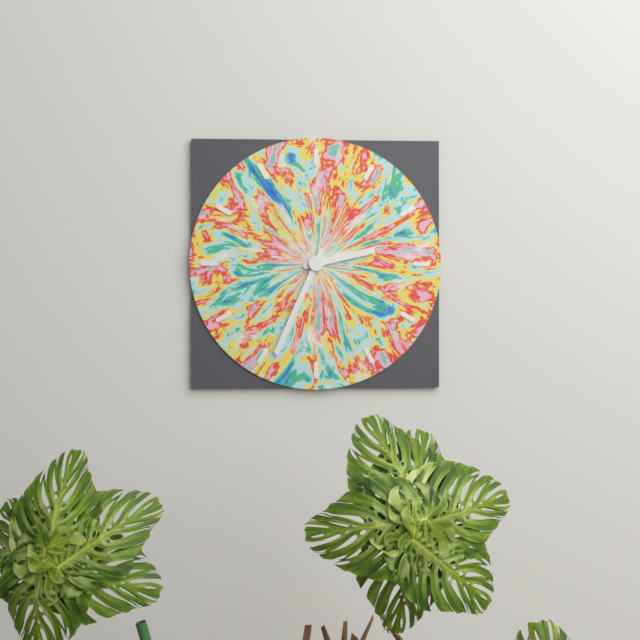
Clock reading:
**2:34**
